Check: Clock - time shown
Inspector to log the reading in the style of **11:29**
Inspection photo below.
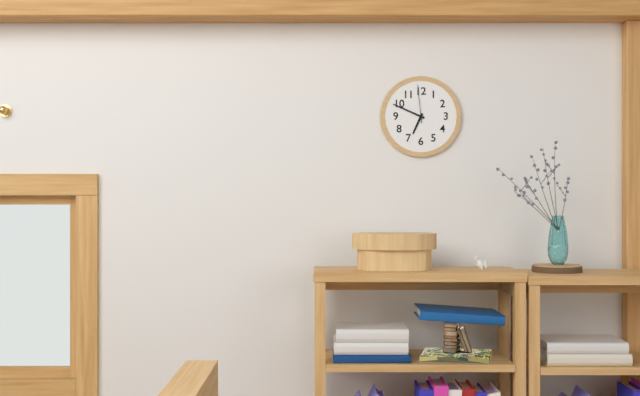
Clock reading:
**6:49**
